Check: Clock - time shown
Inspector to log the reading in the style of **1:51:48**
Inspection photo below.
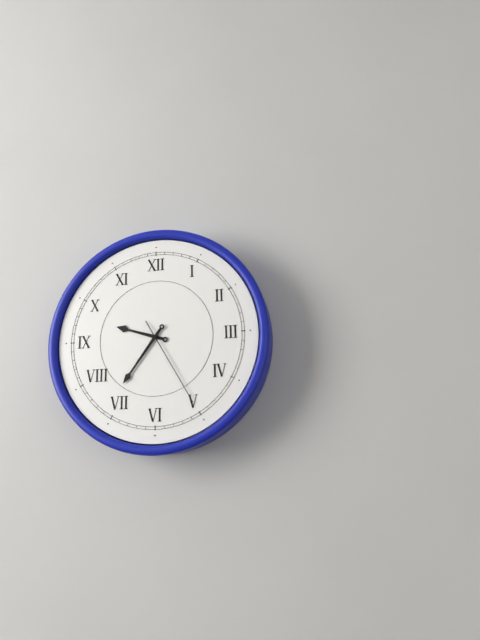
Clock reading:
**9:36:25**
